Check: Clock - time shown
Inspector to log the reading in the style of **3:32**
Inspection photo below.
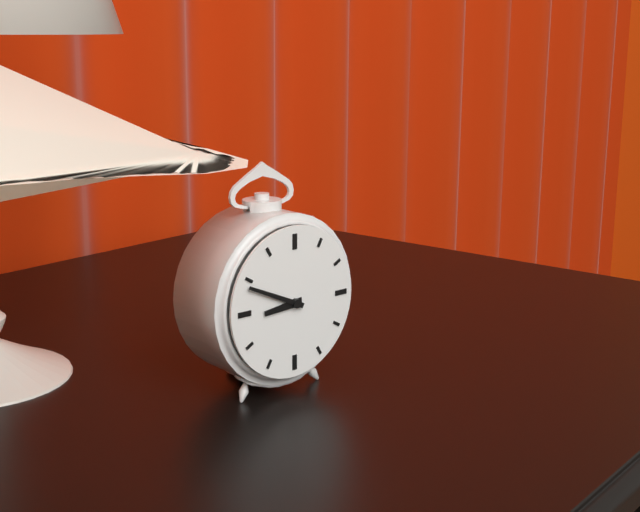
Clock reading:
**8:49**
